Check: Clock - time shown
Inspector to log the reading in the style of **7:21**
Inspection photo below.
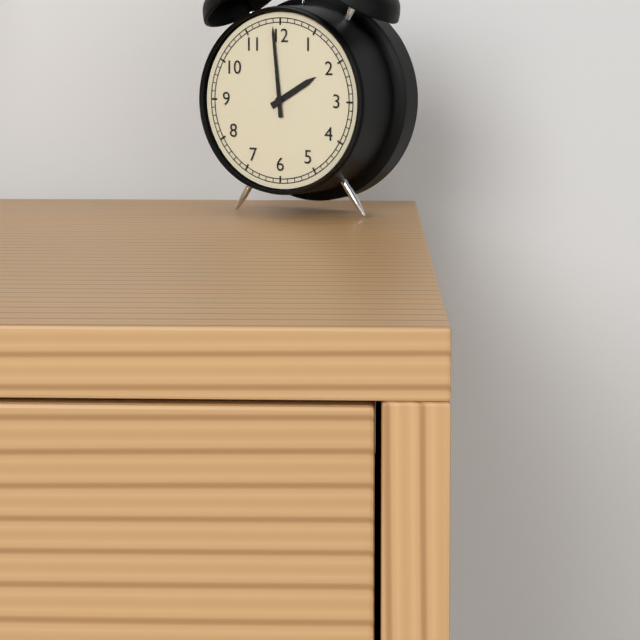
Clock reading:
**1:59**
